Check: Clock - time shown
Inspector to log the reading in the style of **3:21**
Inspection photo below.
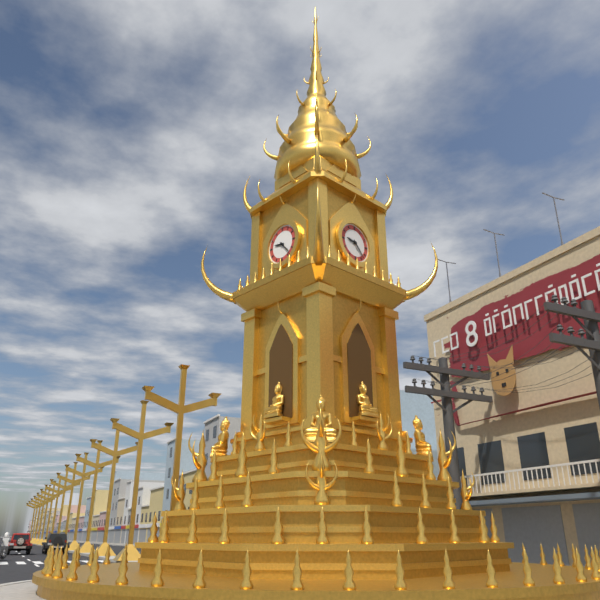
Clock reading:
**9:23**
